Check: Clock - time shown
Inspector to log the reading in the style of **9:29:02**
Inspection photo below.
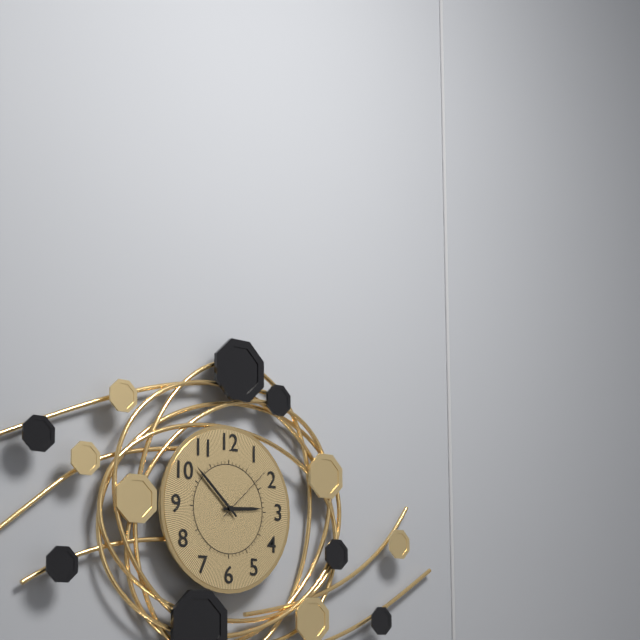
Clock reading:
**2:52:08**
